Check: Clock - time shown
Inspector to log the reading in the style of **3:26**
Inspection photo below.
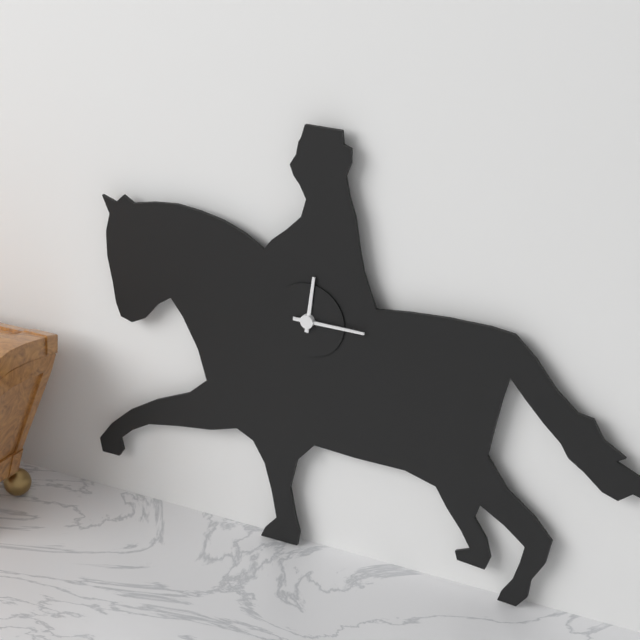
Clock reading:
**12:15**
